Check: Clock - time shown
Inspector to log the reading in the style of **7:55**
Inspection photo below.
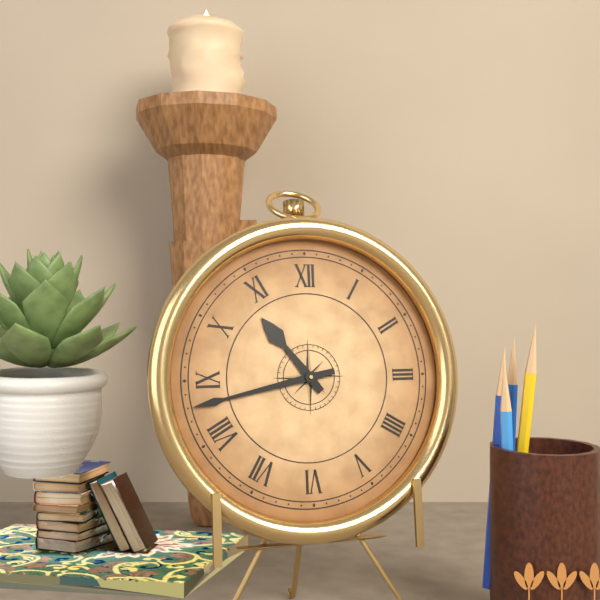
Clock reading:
**10:43**
